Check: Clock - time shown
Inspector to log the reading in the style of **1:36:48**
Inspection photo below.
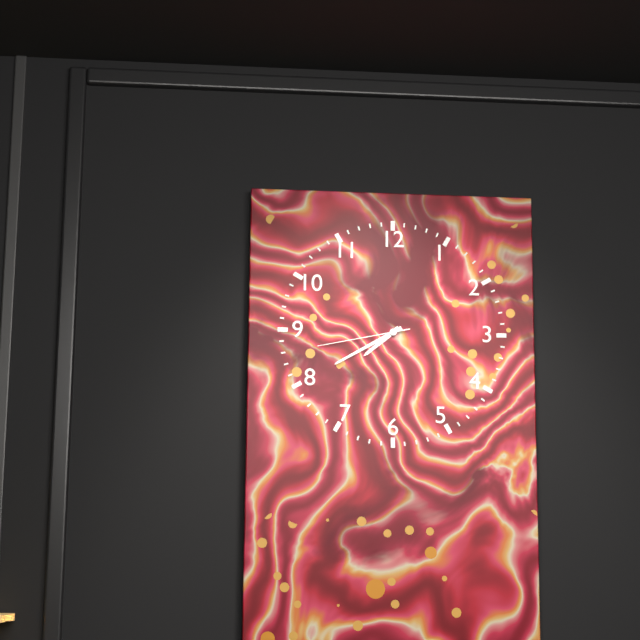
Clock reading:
**7:40:43**
